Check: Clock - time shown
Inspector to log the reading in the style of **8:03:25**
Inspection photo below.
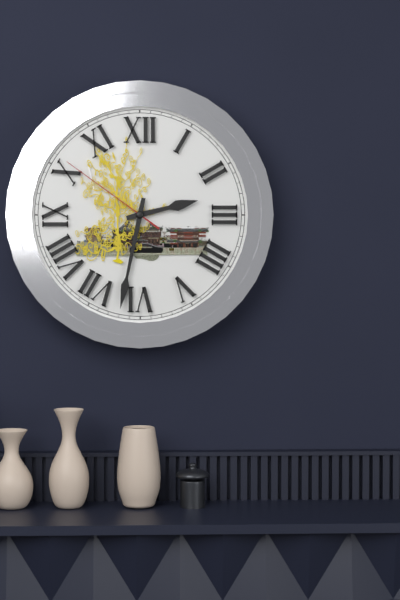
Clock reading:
**2:32:51**
